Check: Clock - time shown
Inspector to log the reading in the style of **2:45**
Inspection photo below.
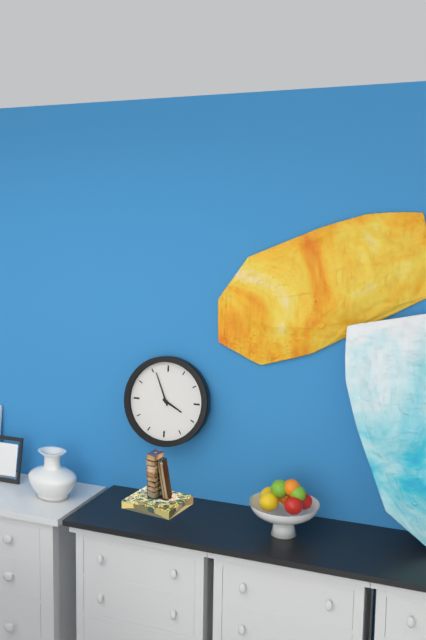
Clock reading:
**3:56**
